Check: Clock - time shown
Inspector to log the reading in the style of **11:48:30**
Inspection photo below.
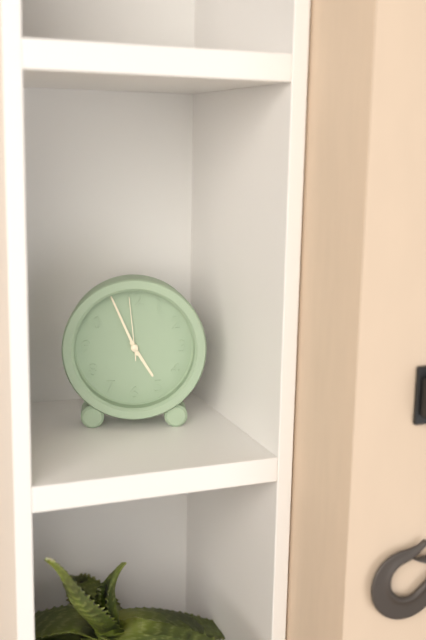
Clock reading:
**4:56:59**
